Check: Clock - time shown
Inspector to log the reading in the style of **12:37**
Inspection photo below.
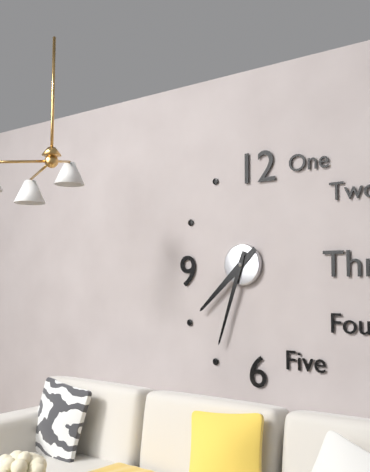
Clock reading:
**7:33**
